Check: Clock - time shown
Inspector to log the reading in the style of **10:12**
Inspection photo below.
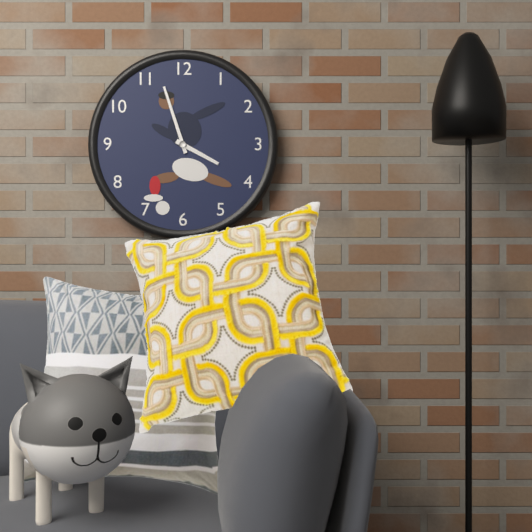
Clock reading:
**3:57**
